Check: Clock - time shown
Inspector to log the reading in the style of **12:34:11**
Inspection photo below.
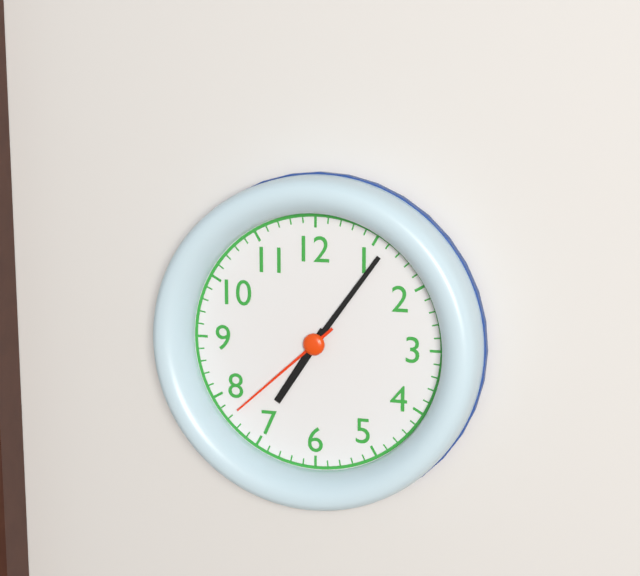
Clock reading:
**7:06:38**
